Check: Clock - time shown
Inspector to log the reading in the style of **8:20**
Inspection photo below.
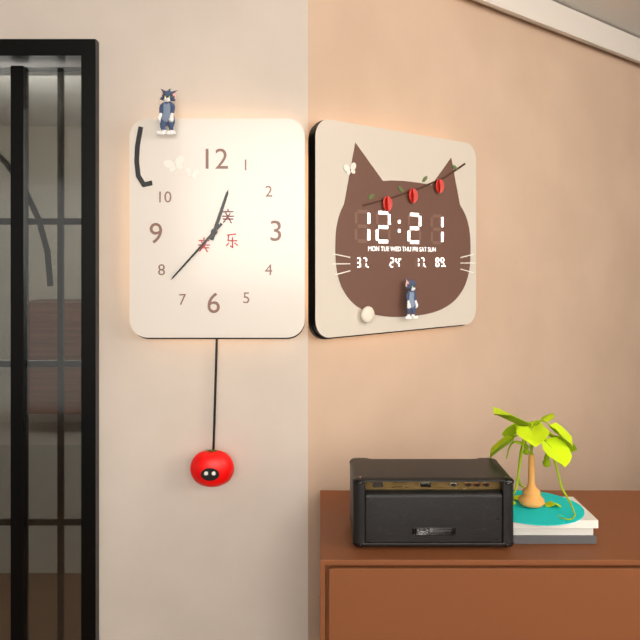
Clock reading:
**12:37**
